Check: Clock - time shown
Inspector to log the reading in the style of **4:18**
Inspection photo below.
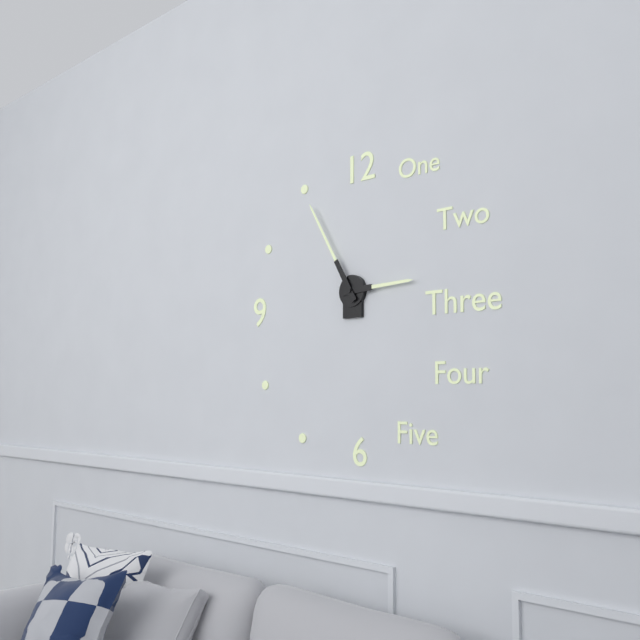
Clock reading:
**2:55**
